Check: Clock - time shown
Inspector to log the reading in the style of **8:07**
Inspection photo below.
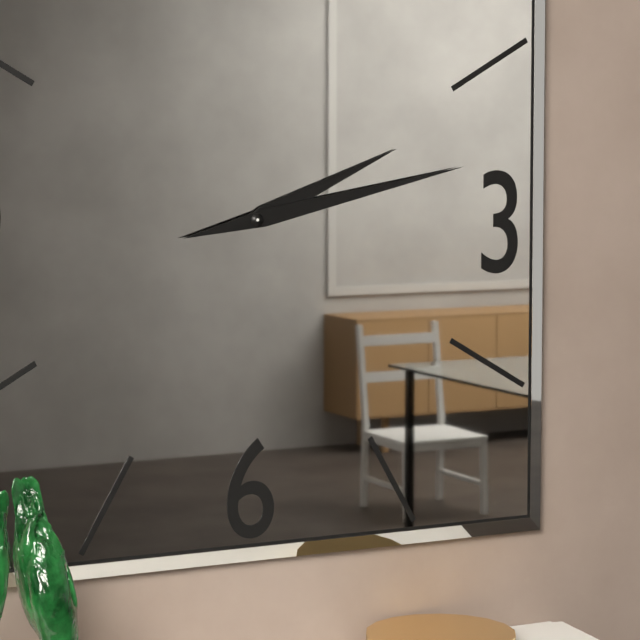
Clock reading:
**2:13**
